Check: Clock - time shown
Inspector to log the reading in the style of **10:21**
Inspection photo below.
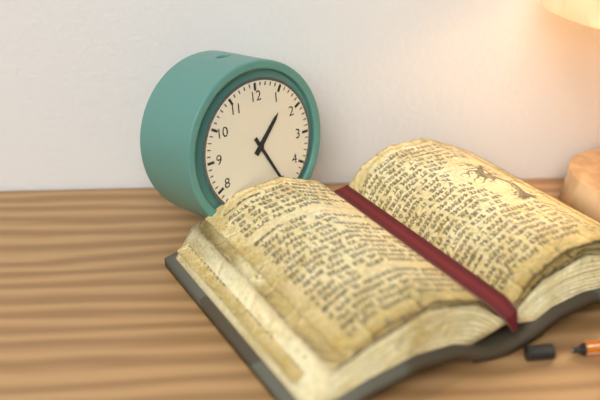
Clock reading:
**1:25**
